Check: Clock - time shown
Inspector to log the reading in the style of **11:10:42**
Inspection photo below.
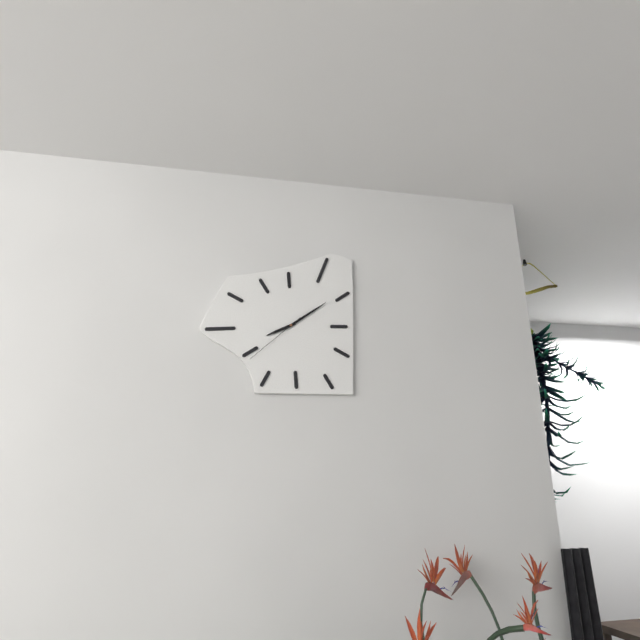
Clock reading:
**8:09:38**
